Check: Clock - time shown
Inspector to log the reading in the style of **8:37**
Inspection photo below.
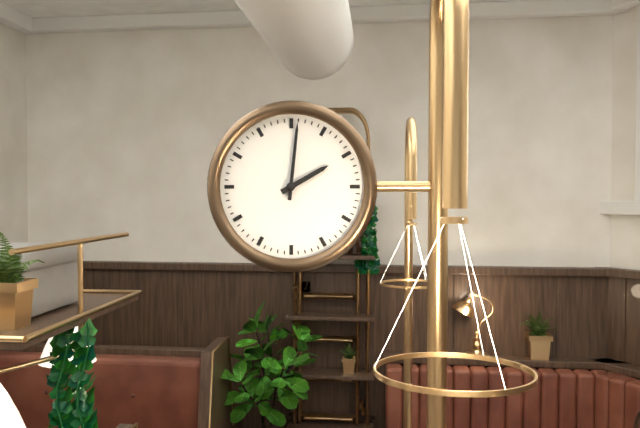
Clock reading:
**2:01**
